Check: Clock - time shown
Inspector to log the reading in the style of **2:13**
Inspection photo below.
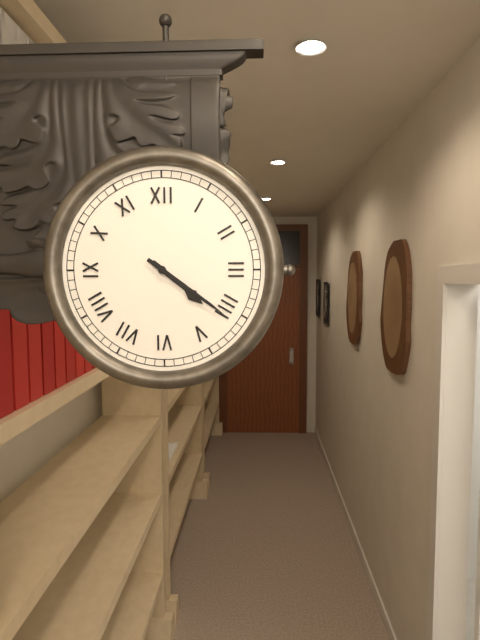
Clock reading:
**4:21**
